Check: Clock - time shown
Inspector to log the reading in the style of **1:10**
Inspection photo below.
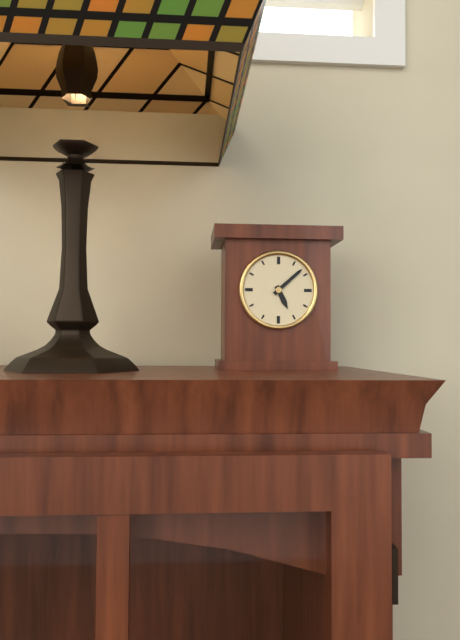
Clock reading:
**5:08**
